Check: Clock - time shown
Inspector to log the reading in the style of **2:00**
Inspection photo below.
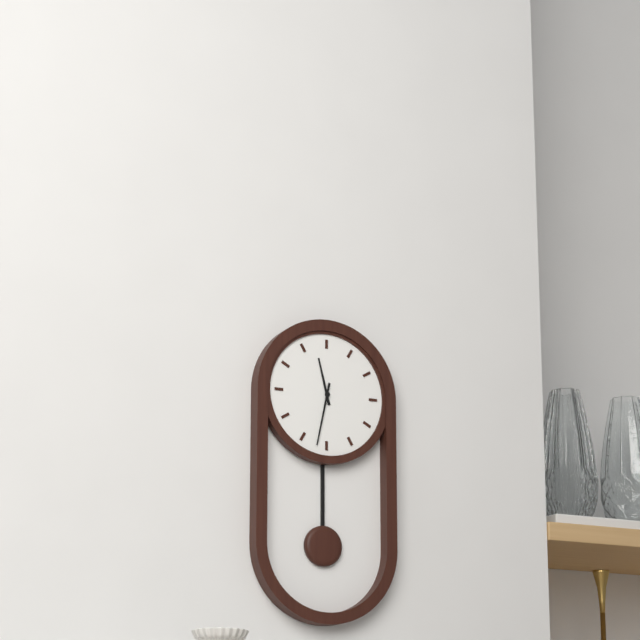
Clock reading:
**11:32**
